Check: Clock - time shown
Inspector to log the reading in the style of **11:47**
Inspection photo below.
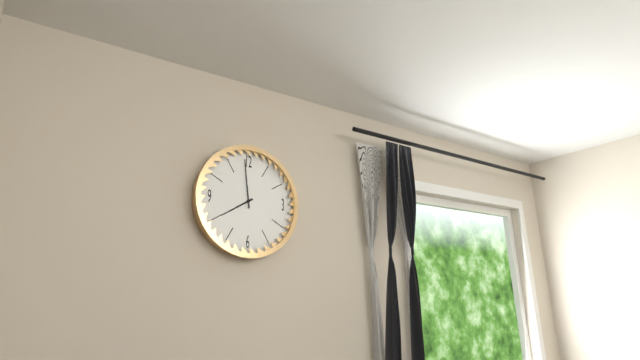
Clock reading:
**7:59**
